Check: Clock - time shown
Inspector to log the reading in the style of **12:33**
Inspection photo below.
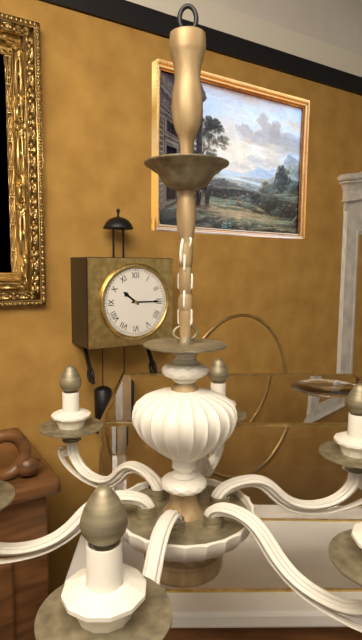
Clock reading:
**10:15**
